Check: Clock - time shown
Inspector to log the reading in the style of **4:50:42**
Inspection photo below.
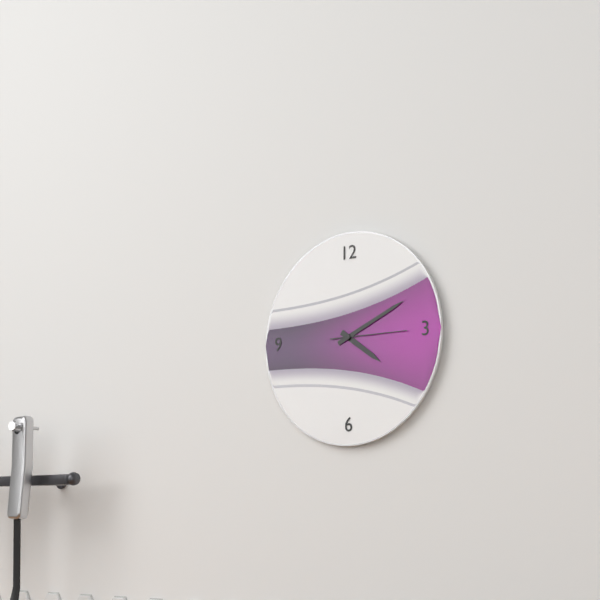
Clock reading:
**4:11:15**
